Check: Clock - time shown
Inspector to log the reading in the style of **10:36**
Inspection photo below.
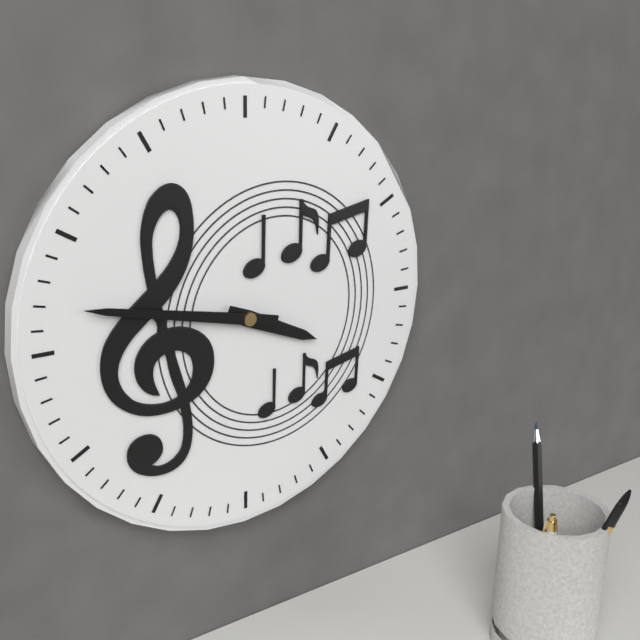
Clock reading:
**3:47**
